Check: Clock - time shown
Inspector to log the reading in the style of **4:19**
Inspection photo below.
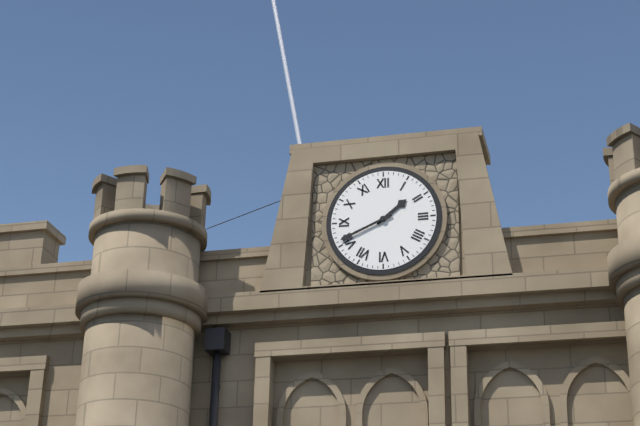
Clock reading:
**1:41**
